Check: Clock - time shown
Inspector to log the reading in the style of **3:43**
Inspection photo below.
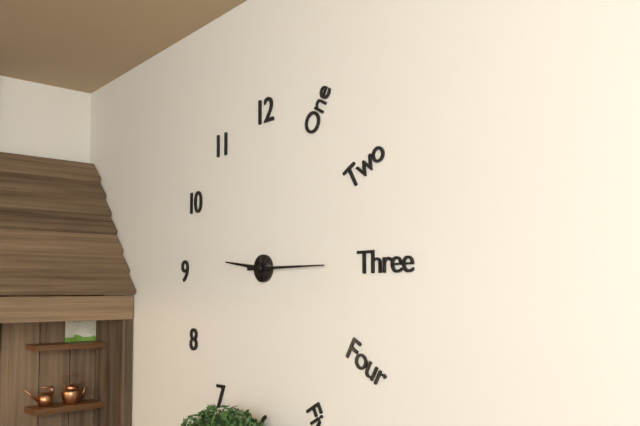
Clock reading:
**9:15**
